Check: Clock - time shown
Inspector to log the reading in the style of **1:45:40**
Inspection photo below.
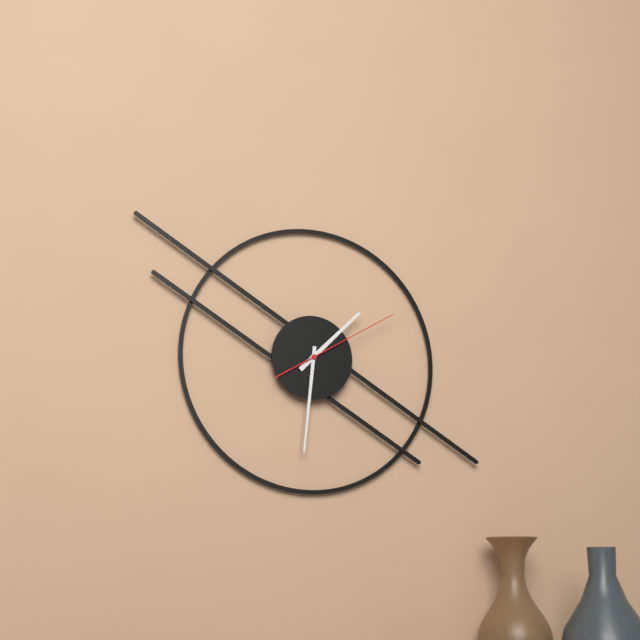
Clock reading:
**1:31:10**
